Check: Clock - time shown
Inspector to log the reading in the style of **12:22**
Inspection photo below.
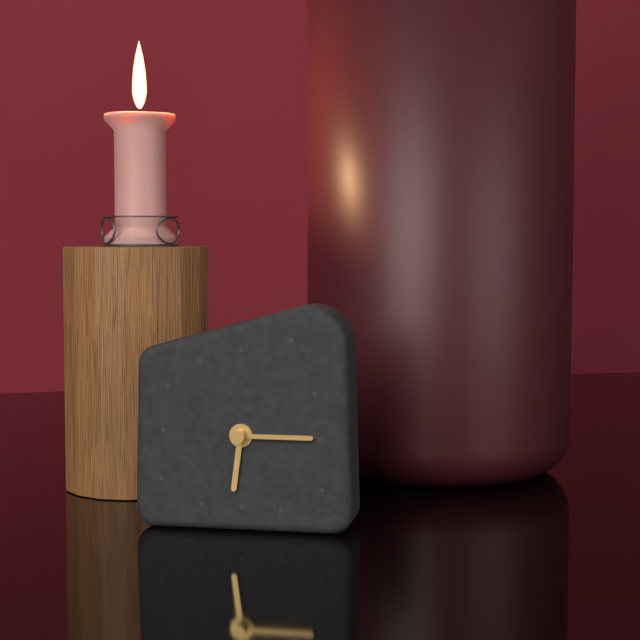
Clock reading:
**6:15**
